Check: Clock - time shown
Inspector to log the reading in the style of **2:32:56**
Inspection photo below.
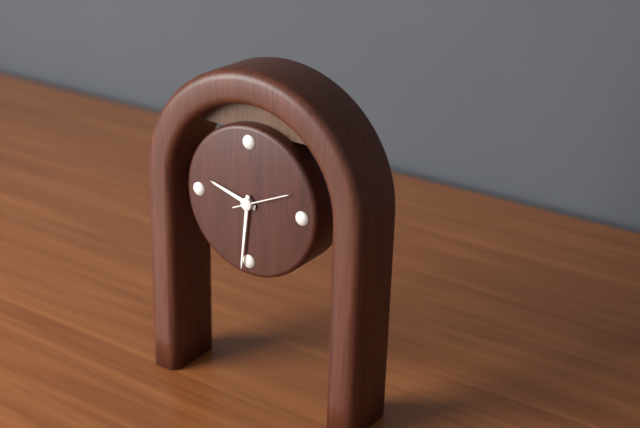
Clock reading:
**9:31:11**
